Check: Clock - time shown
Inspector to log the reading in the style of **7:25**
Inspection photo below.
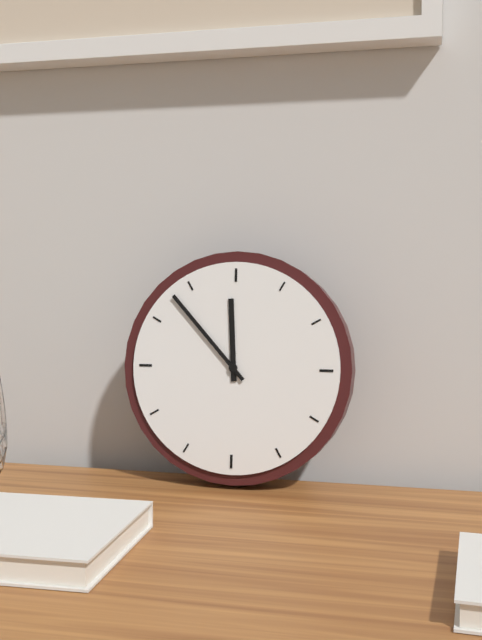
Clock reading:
**11:53**
